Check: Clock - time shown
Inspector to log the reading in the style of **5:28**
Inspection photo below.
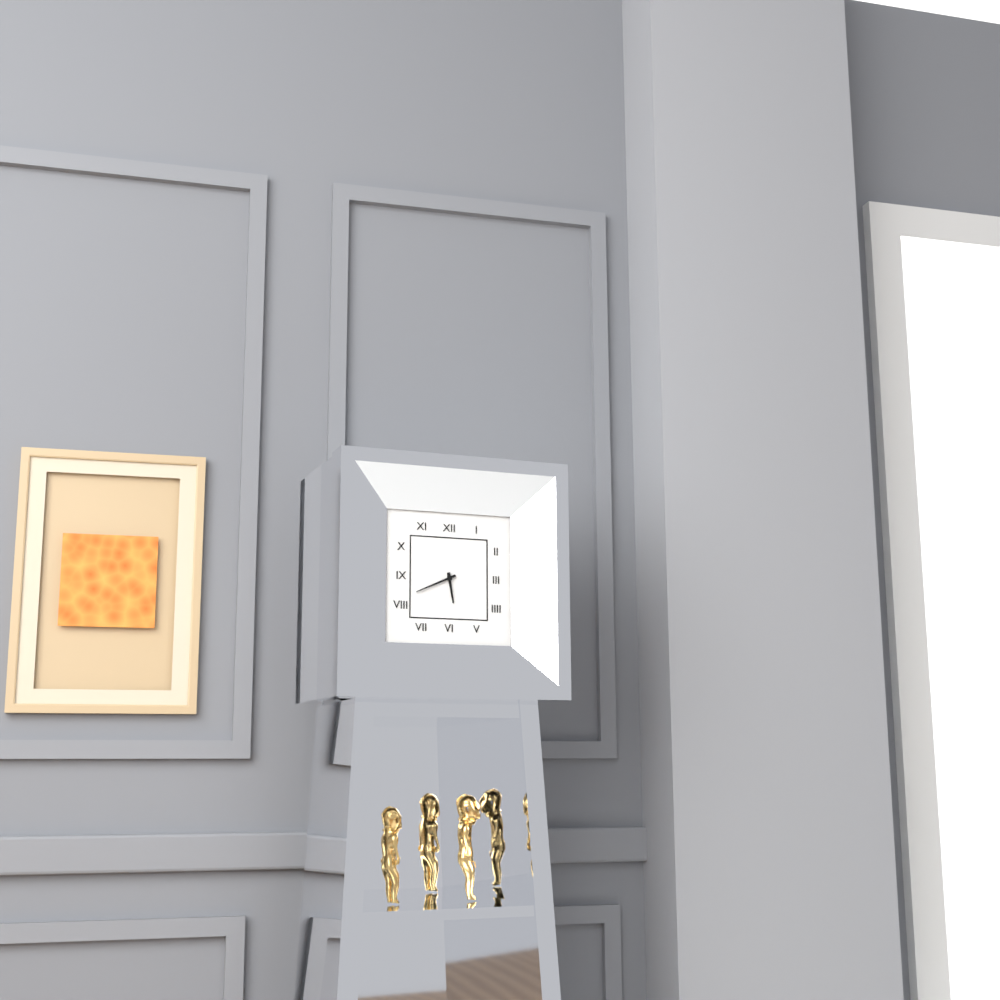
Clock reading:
**5:41**
